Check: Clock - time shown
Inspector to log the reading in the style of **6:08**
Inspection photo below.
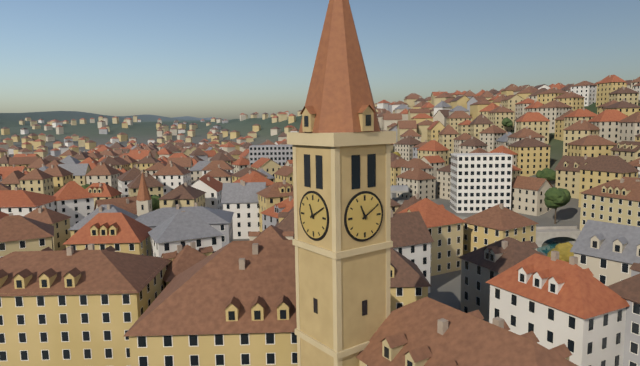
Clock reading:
**11:10**
